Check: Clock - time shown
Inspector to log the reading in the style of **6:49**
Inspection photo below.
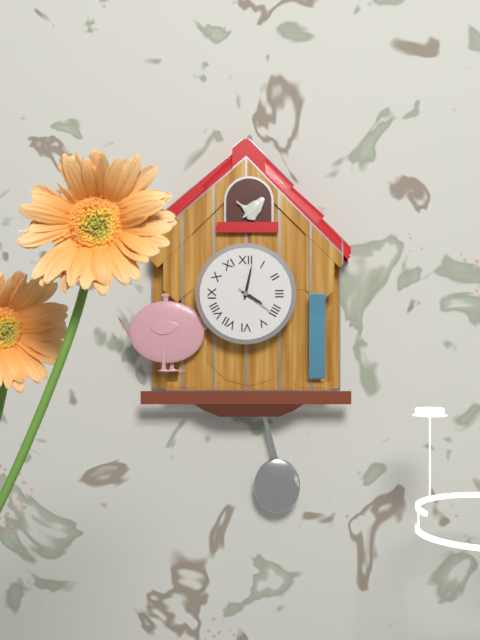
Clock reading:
**4:02**
